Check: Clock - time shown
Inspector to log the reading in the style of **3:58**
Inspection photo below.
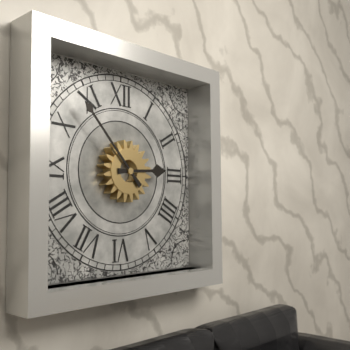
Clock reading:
**2:53**
